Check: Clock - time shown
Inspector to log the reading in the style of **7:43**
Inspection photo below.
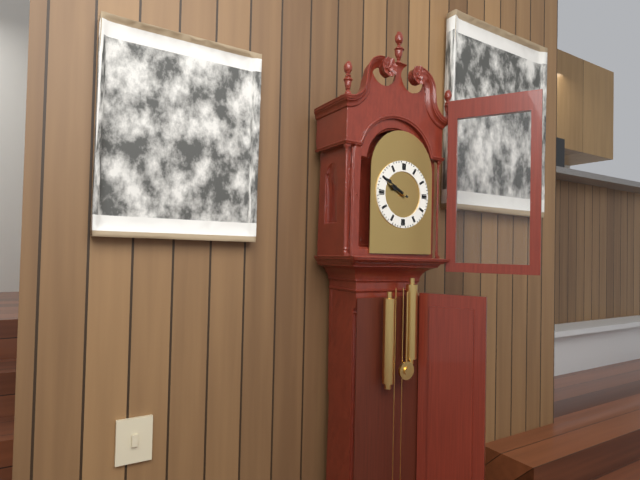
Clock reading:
**9:50**
